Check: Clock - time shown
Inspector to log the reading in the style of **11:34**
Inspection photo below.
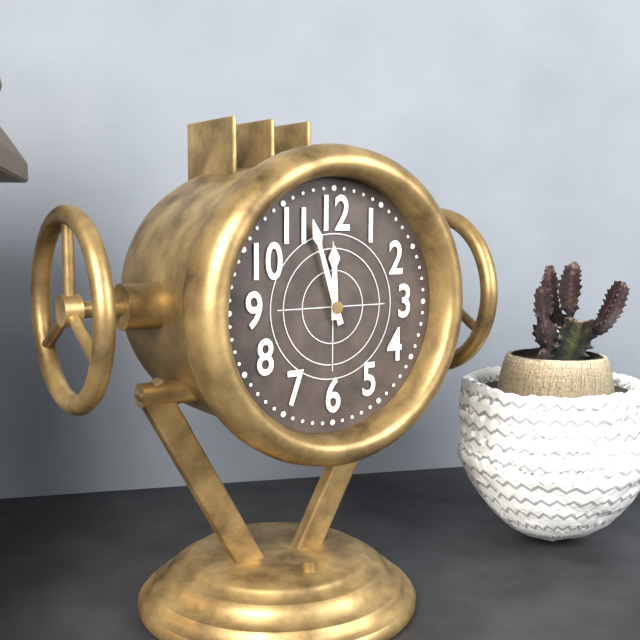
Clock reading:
**11:57**
